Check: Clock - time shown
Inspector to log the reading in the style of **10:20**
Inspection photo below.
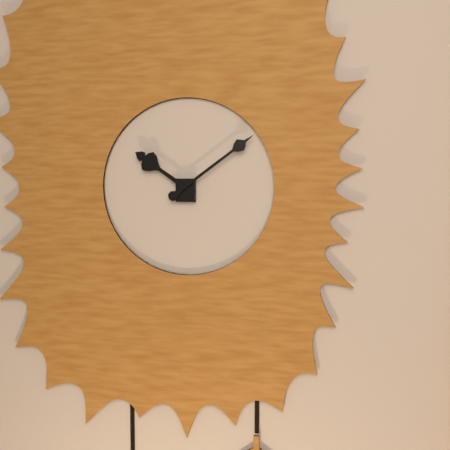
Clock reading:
**10:09**
